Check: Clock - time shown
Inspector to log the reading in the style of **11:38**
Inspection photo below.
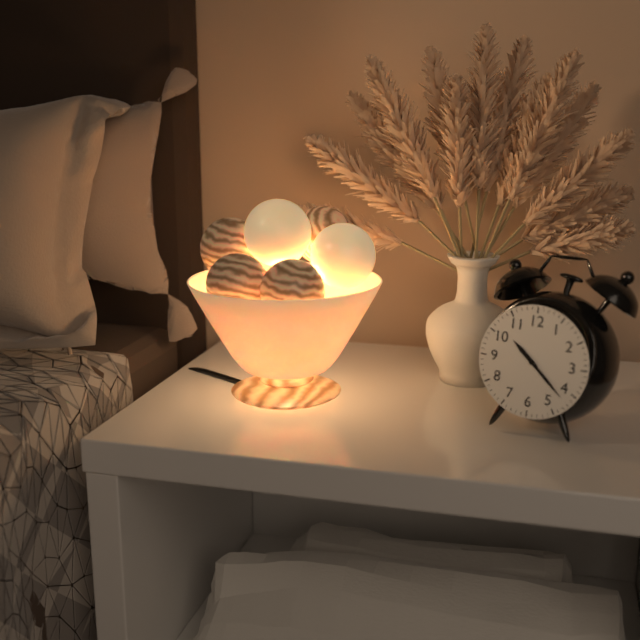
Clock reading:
**10:22**
